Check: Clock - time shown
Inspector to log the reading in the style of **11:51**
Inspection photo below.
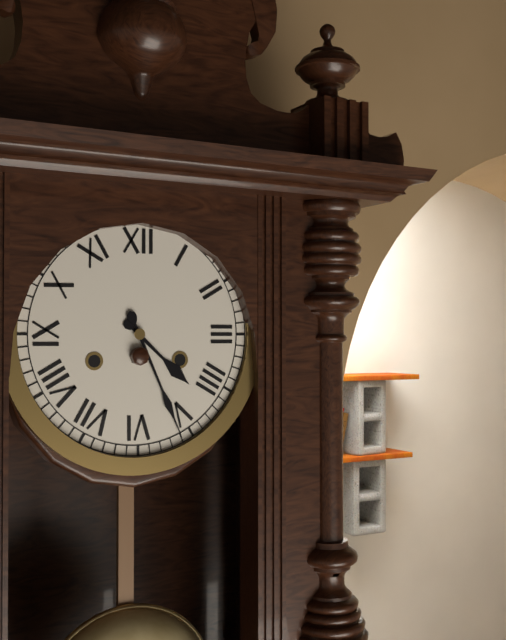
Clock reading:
**4:26**
